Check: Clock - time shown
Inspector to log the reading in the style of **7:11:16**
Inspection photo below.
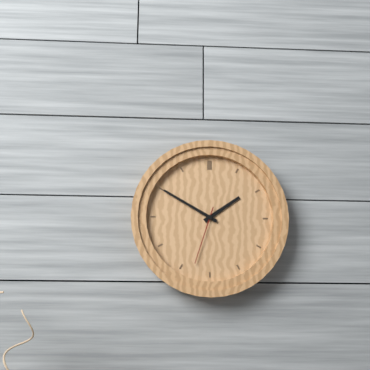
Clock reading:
**1:50:33**
